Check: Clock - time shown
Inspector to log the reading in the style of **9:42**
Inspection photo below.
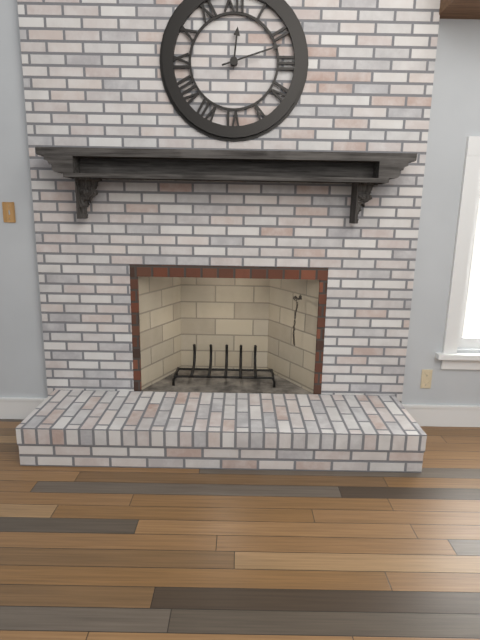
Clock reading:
**12:12**
